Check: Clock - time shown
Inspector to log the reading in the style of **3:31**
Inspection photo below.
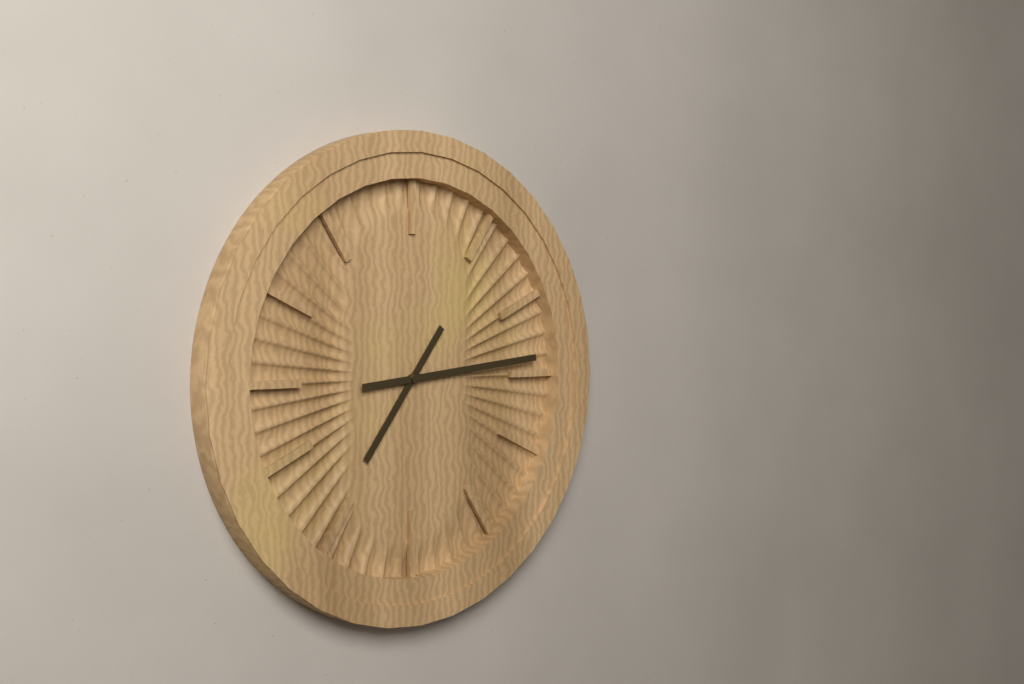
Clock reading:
**7:14**
